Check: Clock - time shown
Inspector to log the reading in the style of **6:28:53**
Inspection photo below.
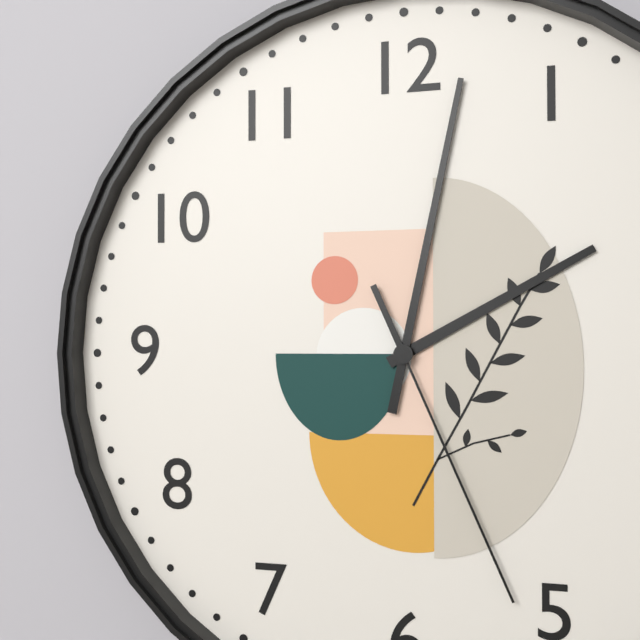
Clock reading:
**2:02:26**
